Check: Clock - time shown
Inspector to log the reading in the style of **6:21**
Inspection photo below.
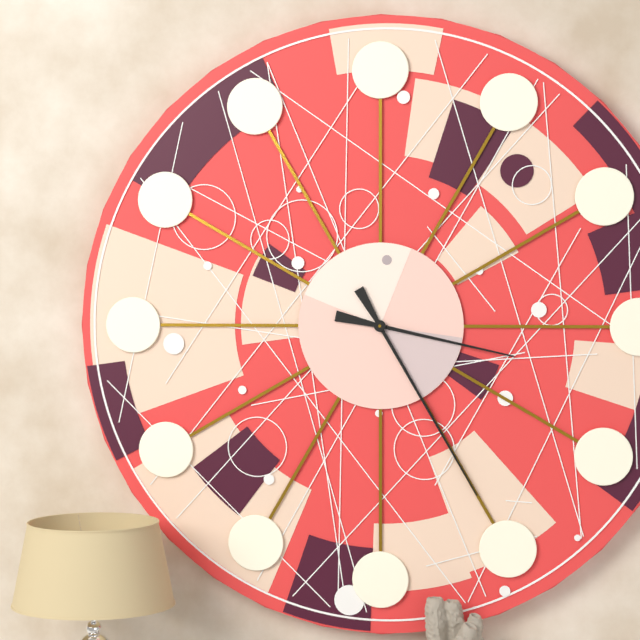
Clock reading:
**3:25**
